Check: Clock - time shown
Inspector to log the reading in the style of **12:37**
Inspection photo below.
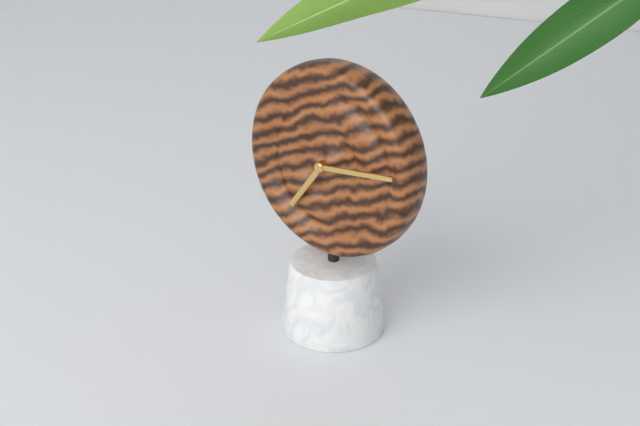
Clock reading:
**7:14**
